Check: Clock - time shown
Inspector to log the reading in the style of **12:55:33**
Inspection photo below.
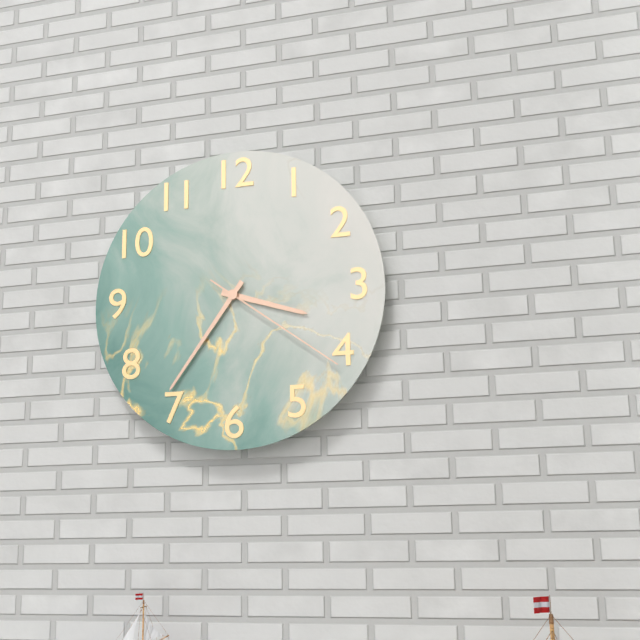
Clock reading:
**3:36:21**
